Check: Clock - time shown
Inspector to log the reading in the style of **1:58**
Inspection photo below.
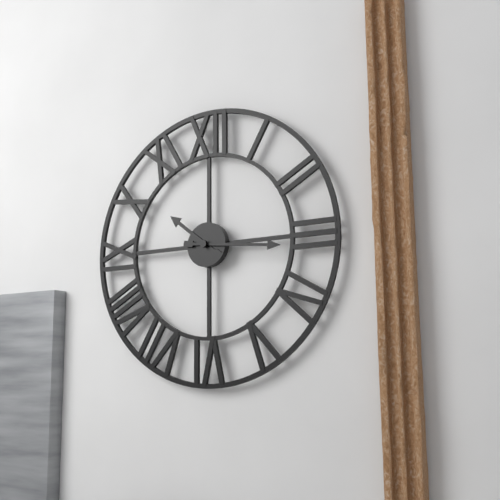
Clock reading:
**10:16**
